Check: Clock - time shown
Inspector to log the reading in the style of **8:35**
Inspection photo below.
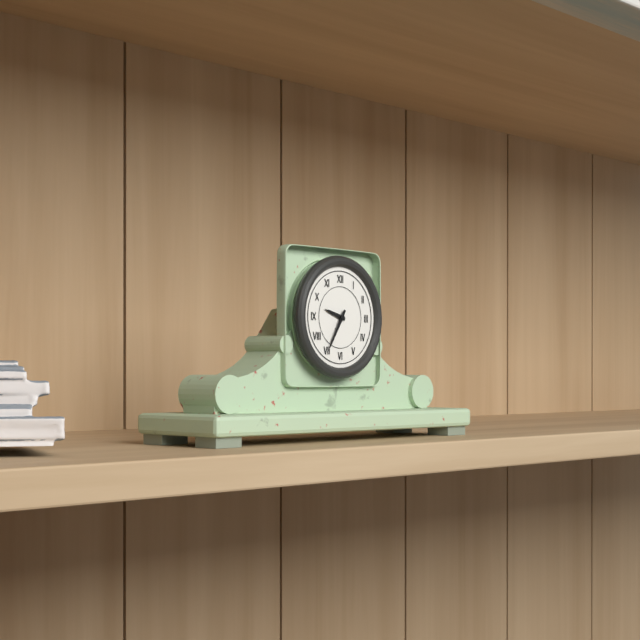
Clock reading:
**9:35**
